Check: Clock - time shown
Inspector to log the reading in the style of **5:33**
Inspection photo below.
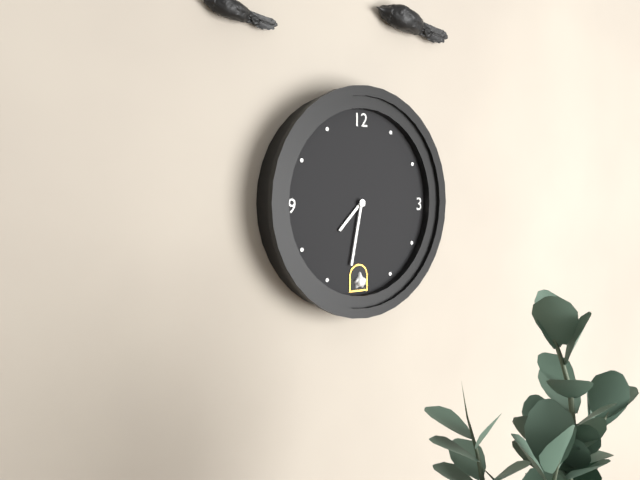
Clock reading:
**7:32**
